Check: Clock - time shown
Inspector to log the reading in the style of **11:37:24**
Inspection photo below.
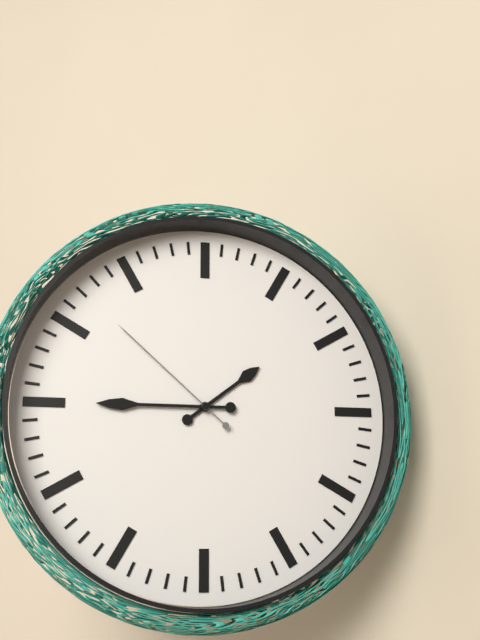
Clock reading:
**1:45:52**
